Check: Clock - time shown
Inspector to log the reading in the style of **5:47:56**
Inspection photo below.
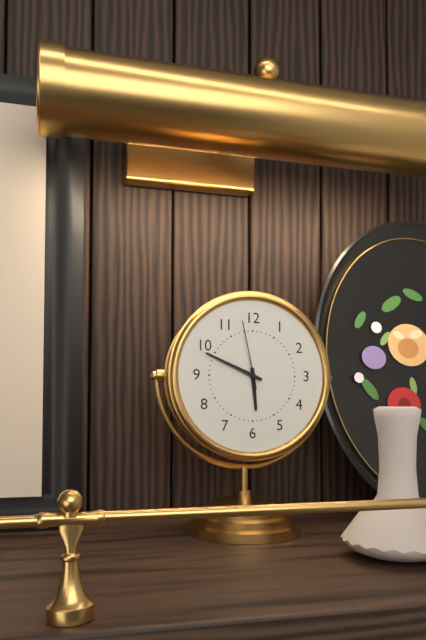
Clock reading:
**5:49:58**
